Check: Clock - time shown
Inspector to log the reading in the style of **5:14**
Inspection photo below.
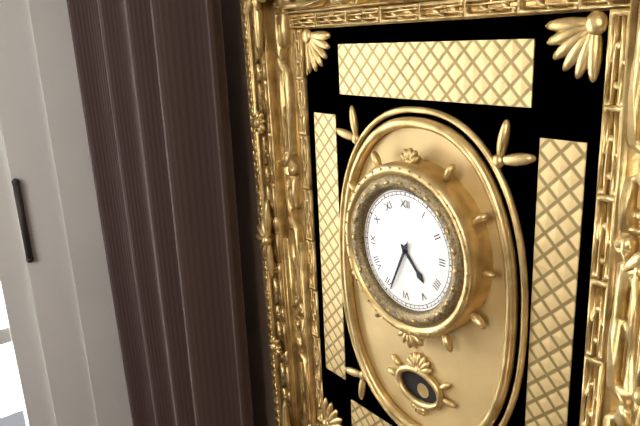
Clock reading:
**4:34**
